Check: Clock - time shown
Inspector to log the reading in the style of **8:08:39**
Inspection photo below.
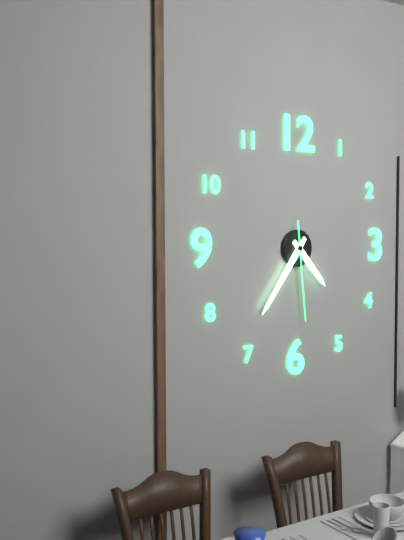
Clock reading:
**4:36:29**
